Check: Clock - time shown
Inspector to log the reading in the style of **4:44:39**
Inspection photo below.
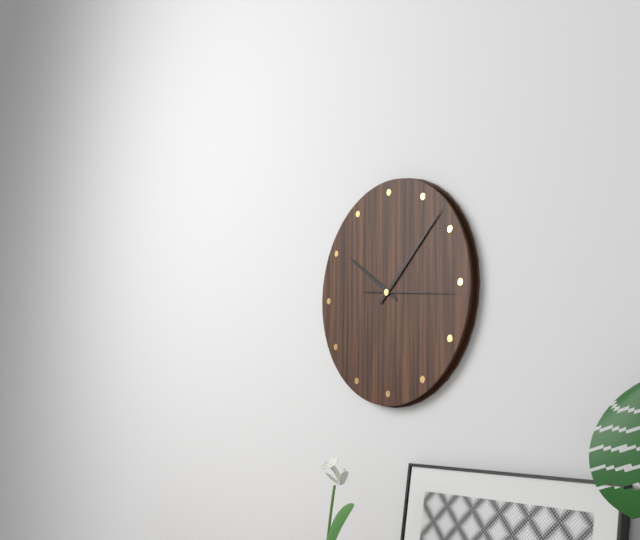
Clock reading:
**10:08:16**
